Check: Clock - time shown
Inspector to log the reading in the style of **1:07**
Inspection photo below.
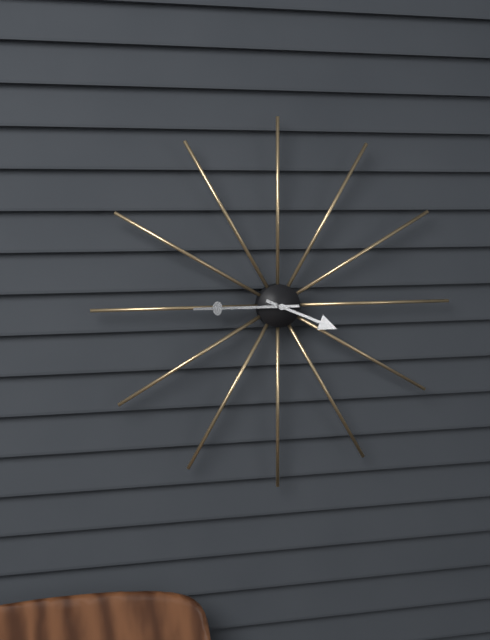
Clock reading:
**3:45**
